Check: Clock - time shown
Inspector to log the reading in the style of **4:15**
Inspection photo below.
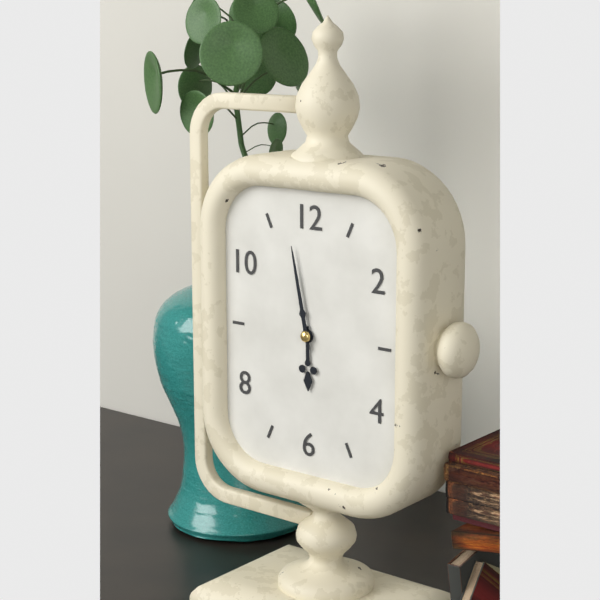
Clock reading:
**5:58**
